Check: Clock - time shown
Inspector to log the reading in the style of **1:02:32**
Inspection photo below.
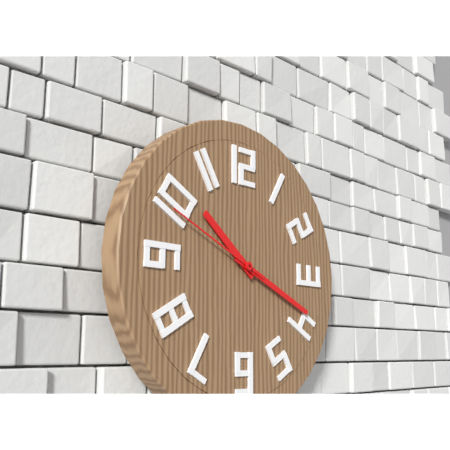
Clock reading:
**10:19:49**
